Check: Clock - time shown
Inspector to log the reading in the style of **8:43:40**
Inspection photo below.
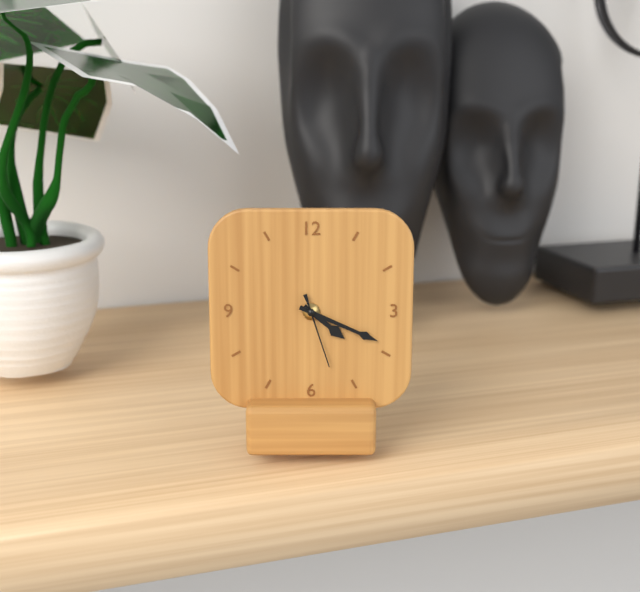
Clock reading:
**4:19:27**
